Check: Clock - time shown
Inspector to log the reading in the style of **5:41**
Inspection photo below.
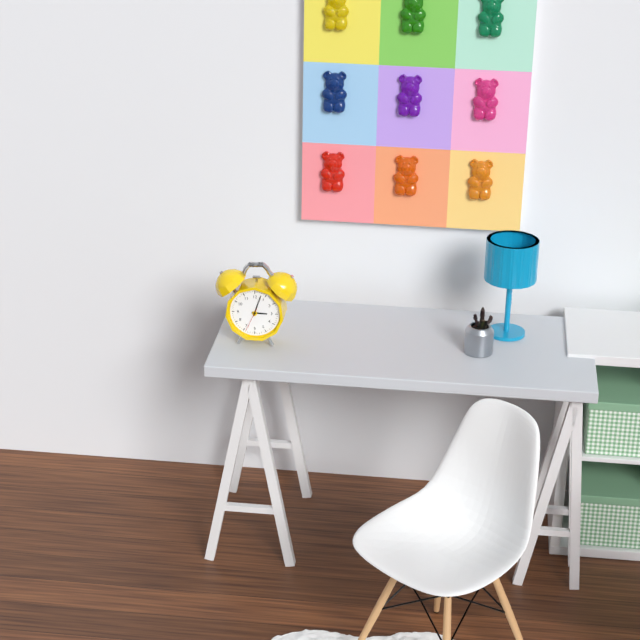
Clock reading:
**3:03**
